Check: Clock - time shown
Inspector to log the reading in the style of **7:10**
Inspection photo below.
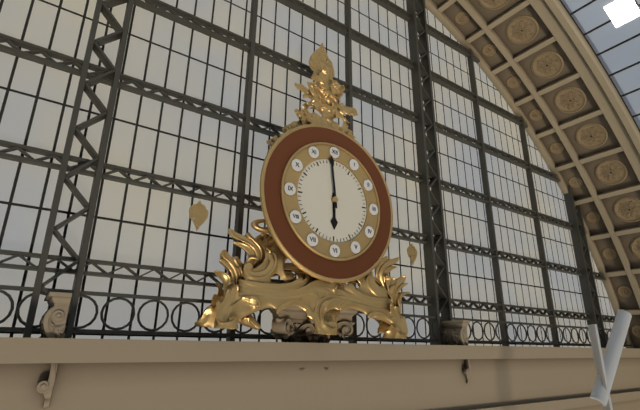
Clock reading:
**5:59**
